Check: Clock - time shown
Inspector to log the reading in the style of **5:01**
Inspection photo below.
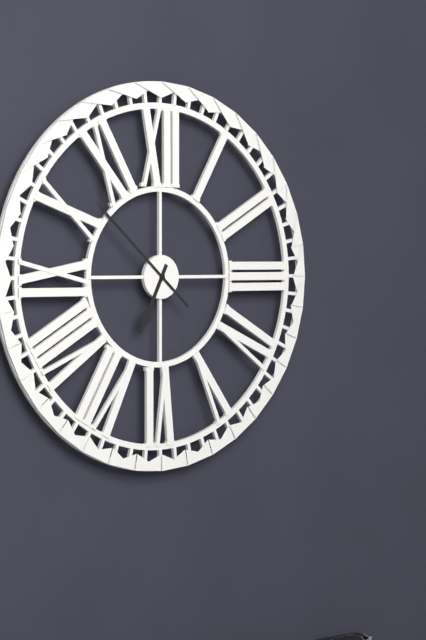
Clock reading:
**6:52**
